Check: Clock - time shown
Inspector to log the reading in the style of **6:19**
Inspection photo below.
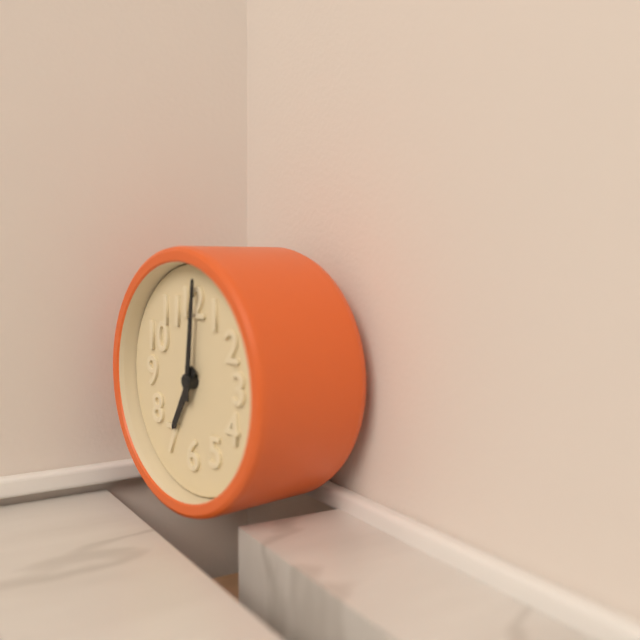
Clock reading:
**7:01**
